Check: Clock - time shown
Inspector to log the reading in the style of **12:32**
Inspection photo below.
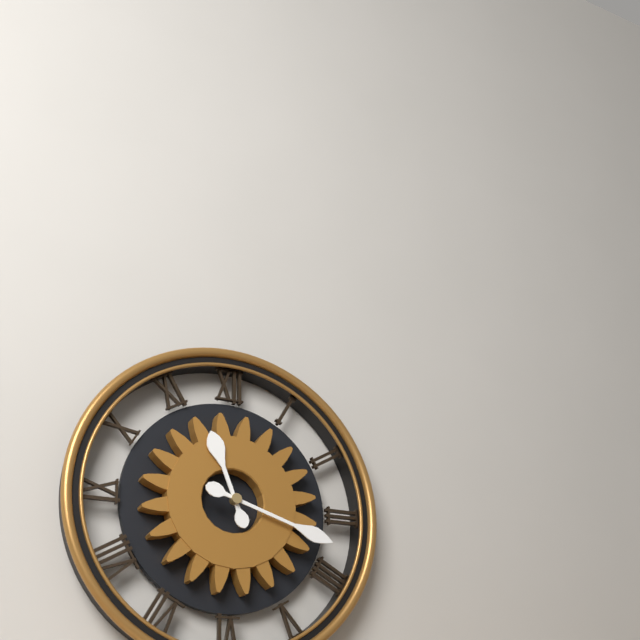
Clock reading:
**11:18**
